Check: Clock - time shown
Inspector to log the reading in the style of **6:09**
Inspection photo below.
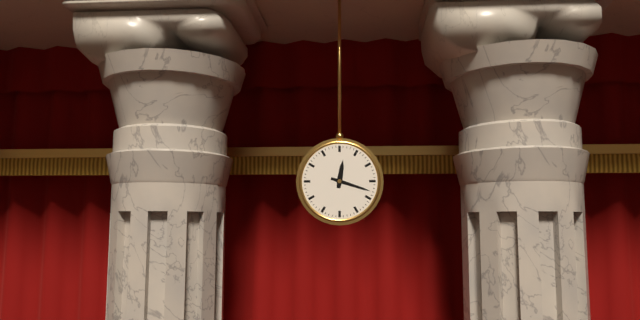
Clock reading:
**12:18**
